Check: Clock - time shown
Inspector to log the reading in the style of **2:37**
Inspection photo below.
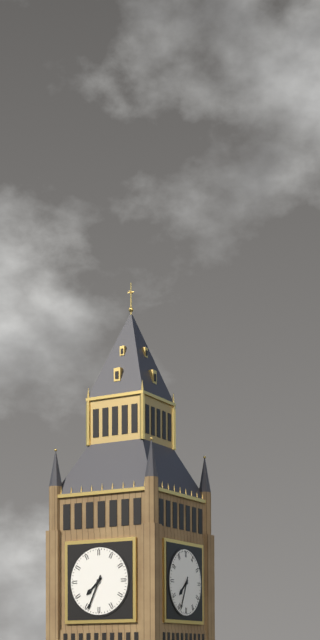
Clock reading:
**7:34**
